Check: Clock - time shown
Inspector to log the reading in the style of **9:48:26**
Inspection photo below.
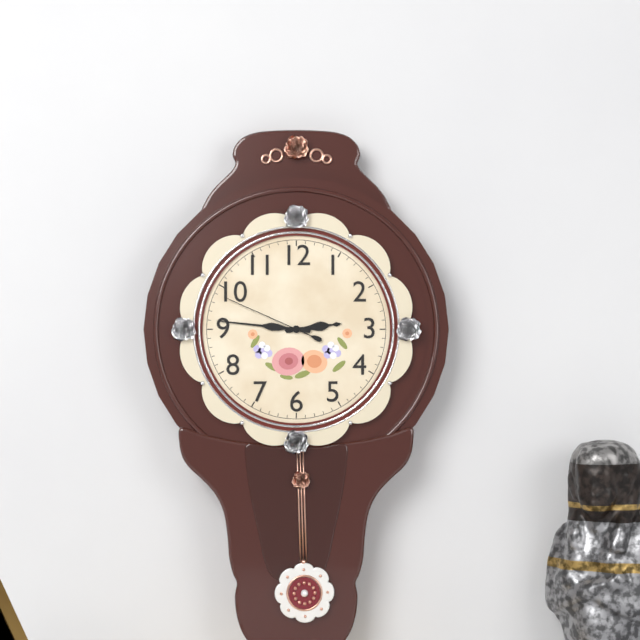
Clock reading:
**2:46:49**
